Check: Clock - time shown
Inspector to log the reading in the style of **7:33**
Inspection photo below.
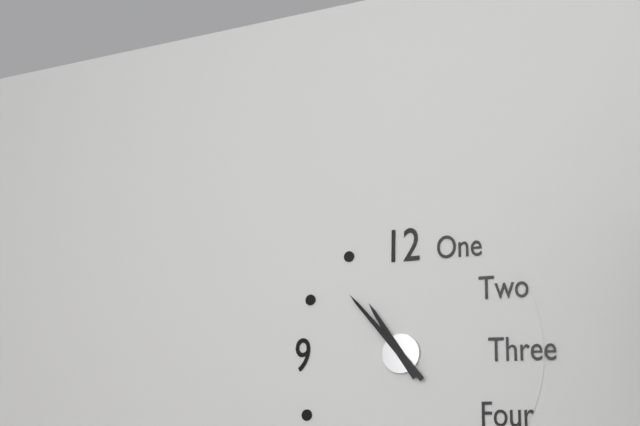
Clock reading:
**10:53**
